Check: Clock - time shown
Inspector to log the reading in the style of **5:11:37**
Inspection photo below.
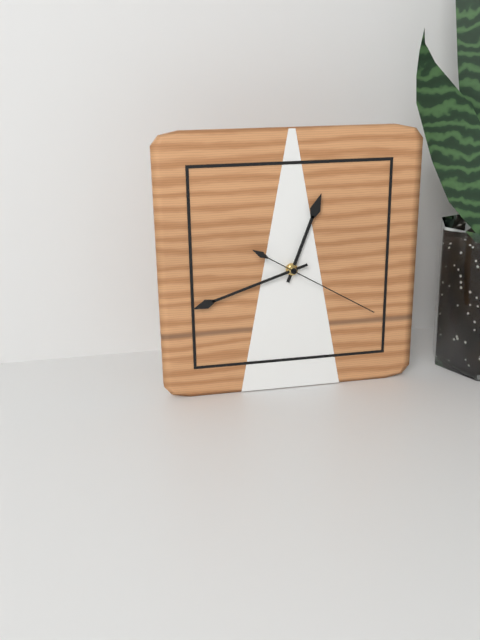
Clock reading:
**12:42:20**
